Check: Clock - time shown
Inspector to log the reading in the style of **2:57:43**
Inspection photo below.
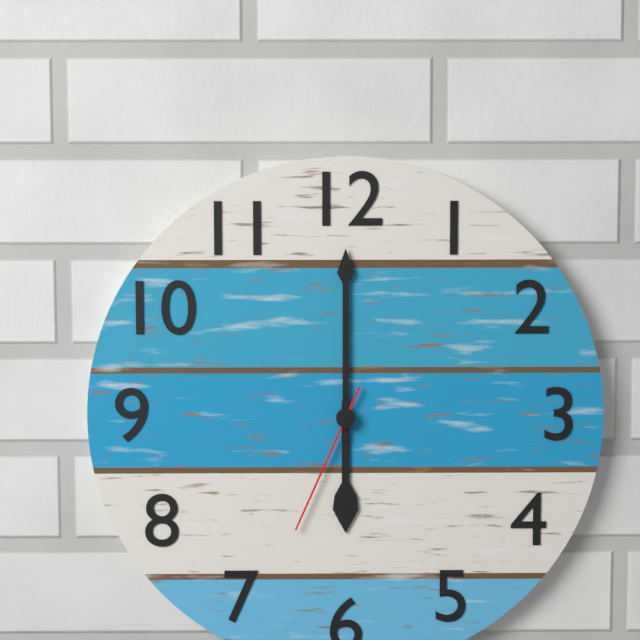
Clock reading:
**6:00:34**
